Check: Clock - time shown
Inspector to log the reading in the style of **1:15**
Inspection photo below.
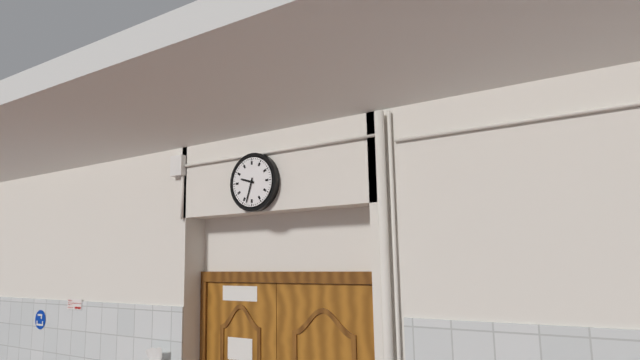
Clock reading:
**9:33**
